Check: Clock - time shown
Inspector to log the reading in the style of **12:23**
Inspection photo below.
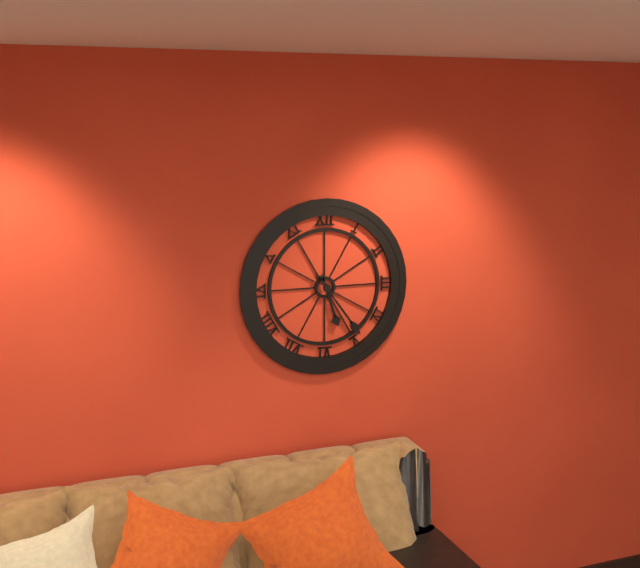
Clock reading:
**5:24**
